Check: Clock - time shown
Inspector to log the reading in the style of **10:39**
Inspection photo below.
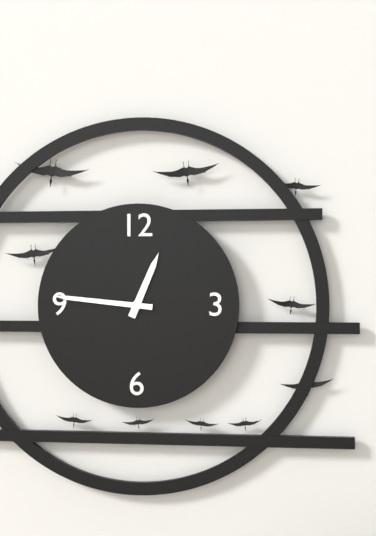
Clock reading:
**12:46**
